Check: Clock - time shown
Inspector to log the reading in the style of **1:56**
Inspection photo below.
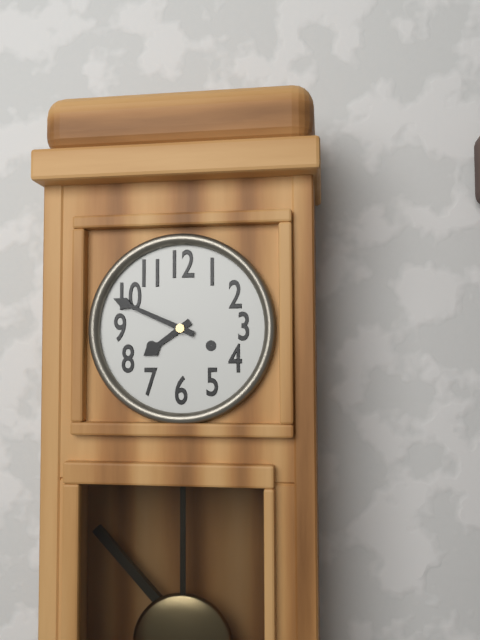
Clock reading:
**7:49**
